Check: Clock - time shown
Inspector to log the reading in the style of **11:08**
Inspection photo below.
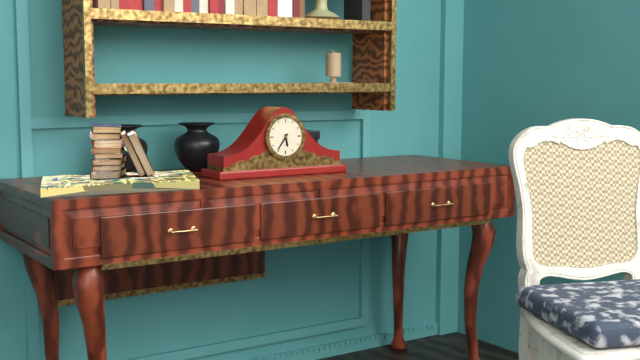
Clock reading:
**5:36**
